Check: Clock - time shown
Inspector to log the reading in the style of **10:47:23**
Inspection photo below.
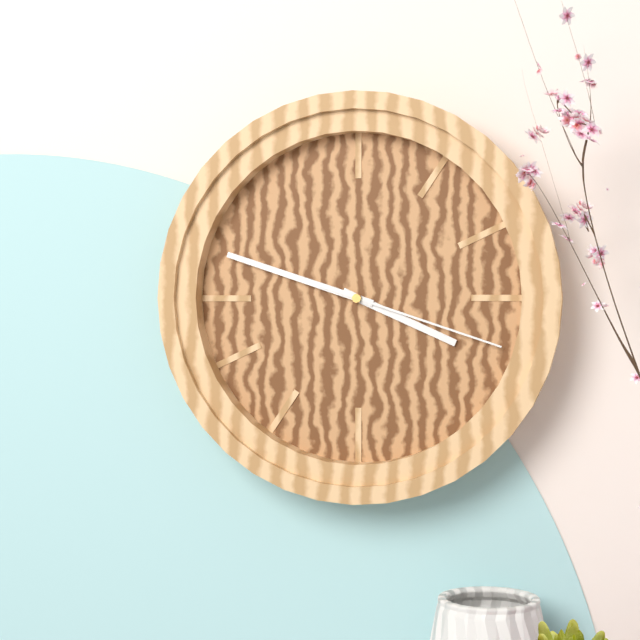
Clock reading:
**3:48:18**
